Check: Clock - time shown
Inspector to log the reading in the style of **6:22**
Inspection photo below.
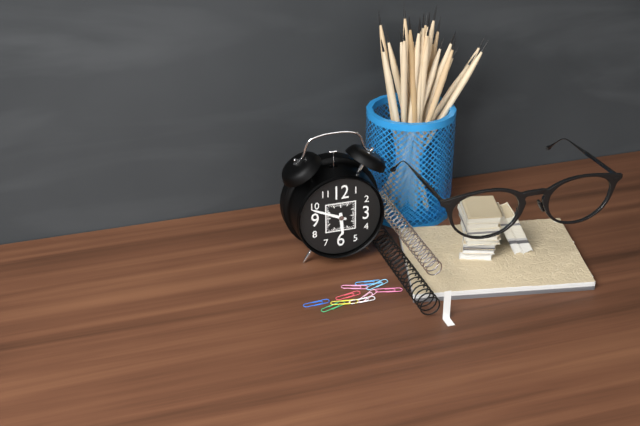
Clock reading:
**5:49**
